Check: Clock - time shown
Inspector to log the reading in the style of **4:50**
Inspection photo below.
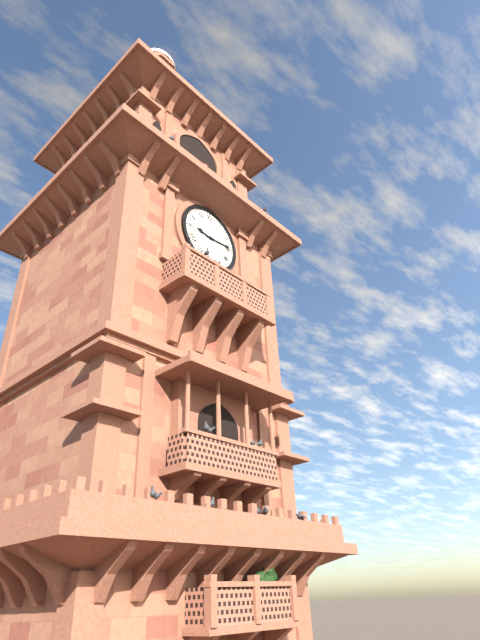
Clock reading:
**9:14**
